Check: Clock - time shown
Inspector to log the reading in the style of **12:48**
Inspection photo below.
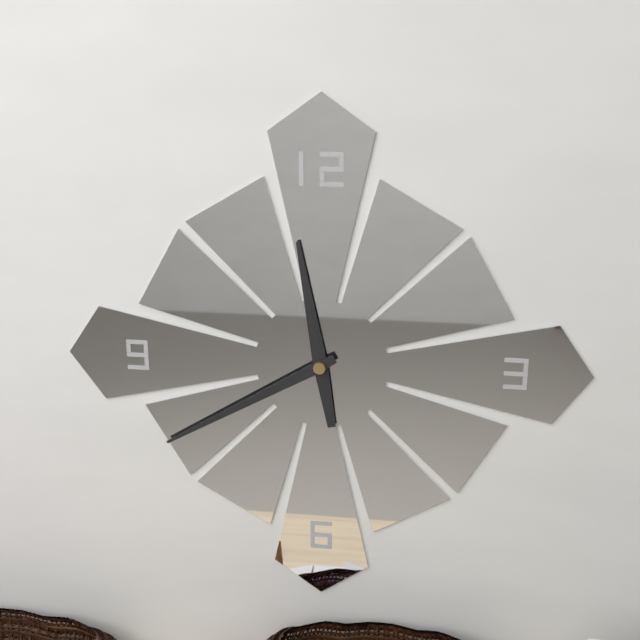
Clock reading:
**11:40**
